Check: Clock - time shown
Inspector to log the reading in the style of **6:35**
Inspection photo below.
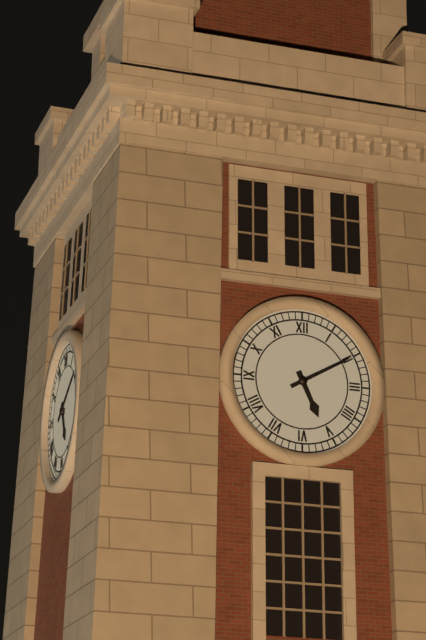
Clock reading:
**5:10**
